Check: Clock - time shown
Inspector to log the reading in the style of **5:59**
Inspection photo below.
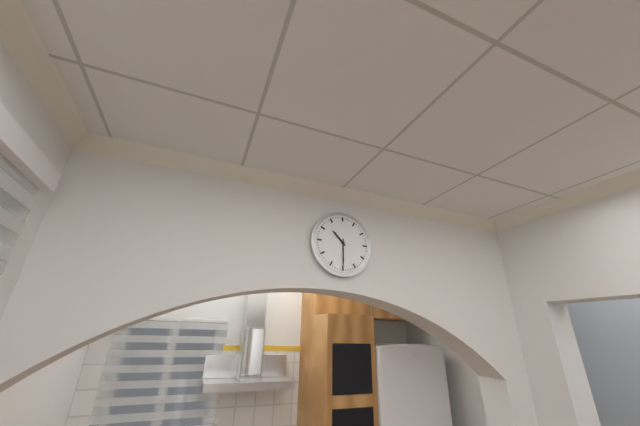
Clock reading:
**10:30**
